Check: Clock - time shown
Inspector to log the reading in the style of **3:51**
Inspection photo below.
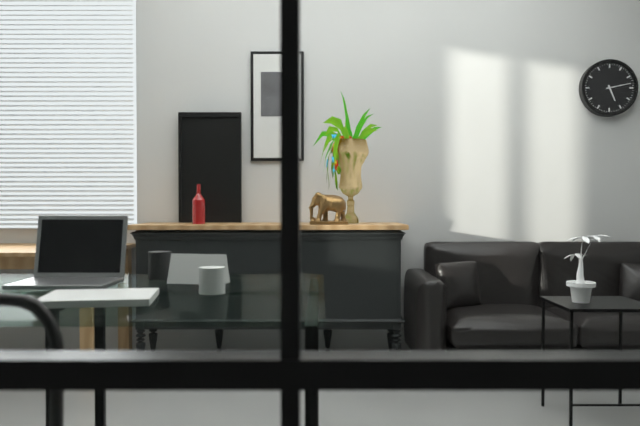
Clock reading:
**5:13**
